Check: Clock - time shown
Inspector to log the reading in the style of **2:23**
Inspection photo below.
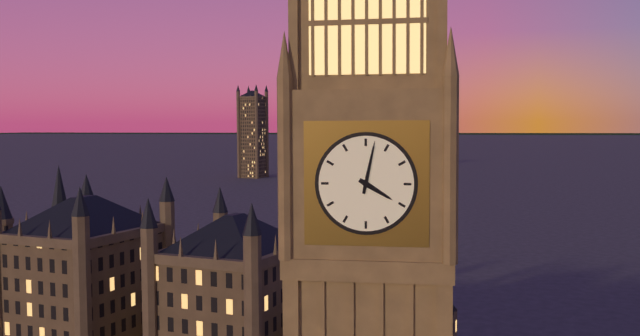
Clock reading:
**4:02**
